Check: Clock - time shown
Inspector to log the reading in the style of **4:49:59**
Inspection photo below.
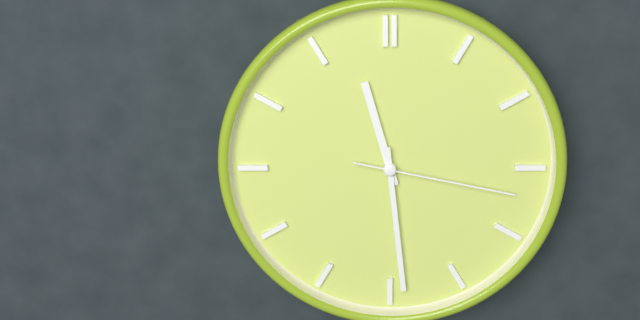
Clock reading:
**11:29:17**
